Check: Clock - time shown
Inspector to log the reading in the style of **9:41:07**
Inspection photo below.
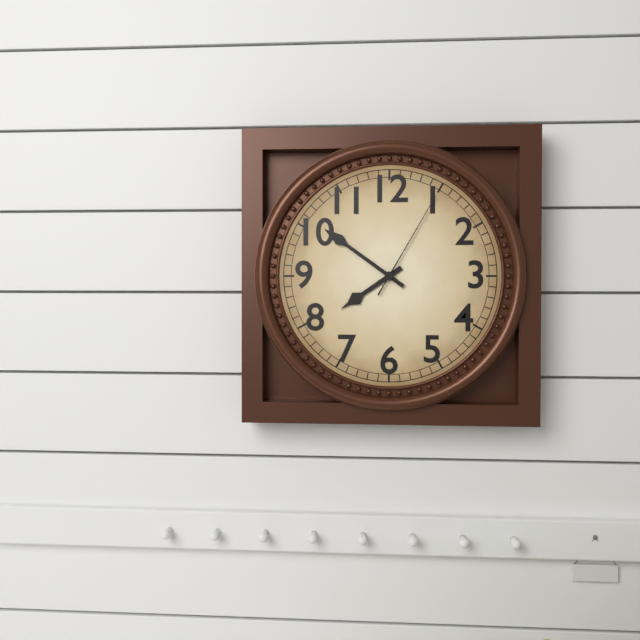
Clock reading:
**7:51:05**
